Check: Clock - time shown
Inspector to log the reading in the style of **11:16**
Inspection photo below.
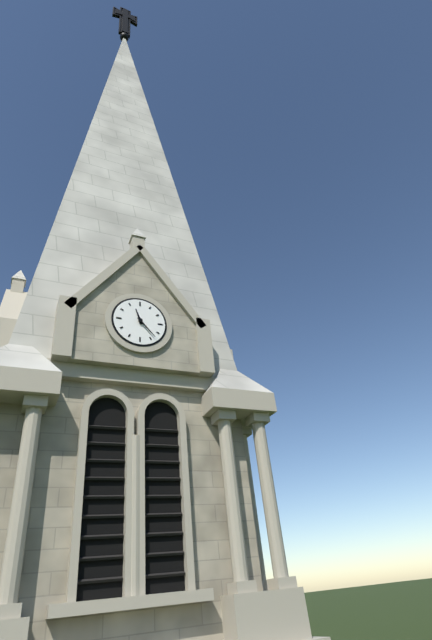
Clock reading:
**11:23**
